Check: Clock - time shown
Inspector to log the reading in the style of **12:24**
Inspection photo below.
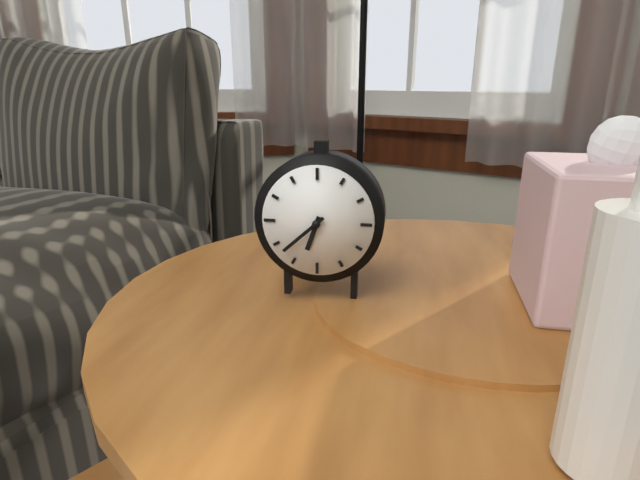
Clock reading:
**6:38**
